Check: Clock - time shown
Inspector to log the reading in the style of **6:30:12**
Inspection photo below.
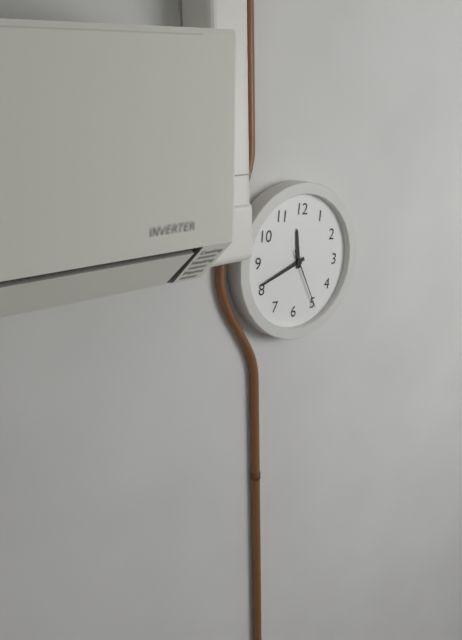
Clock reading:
**11:41:25**
